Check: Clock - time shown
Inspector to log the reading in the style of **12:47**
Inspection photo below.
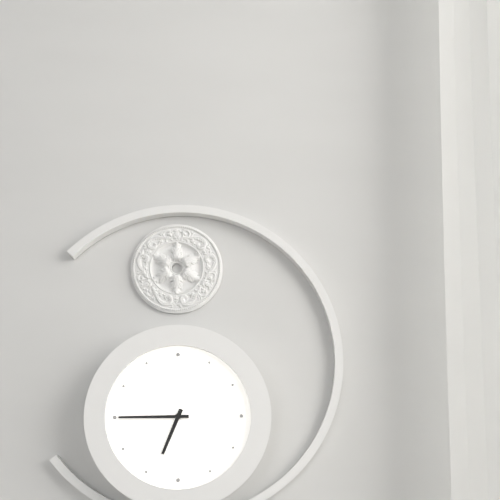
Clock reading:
**6:45**
